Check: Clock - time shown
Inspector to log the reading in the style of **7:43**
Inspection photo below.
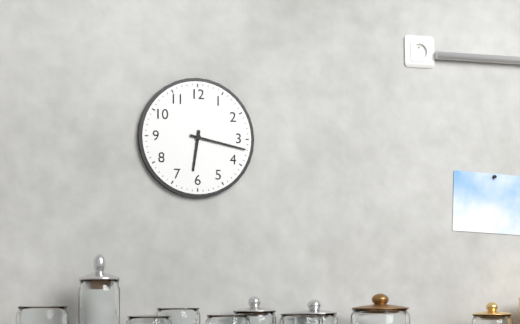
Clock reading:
**6:17**
